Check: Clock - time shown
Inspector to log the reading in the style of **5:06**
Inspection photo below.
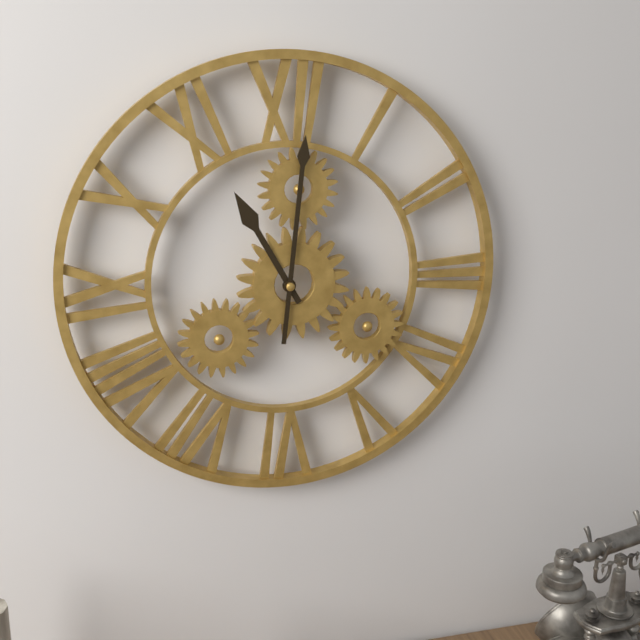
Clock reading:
**11:01**
